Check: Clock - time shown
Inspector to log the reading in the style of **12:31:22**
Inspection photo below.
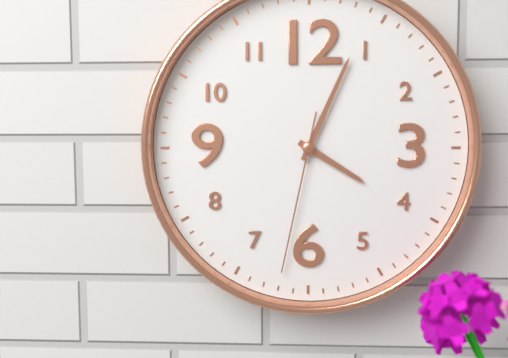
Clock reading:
**4:04:32**
